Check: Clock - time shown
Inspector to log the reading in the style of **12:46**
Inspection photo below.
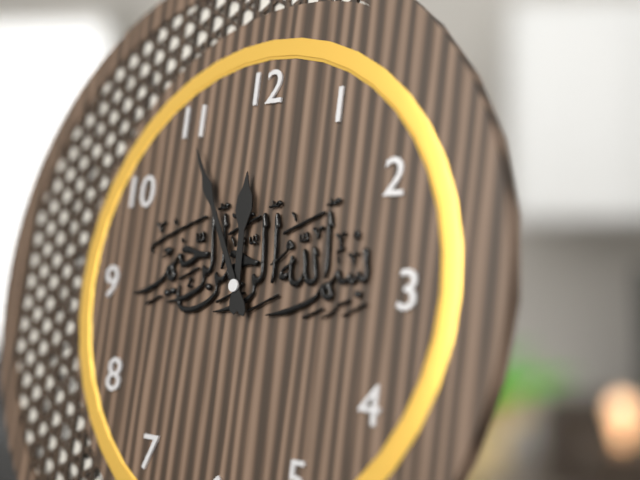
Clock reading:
**11:55**
